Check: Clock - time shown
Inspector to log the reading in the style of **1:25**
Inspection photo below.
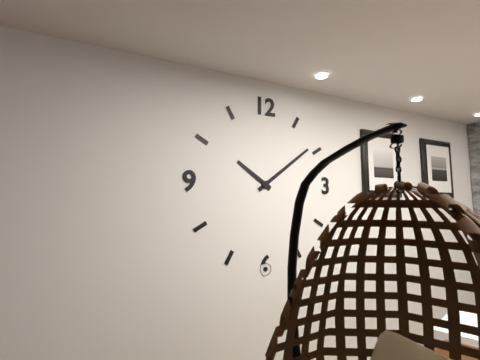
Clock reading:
**10:09**
